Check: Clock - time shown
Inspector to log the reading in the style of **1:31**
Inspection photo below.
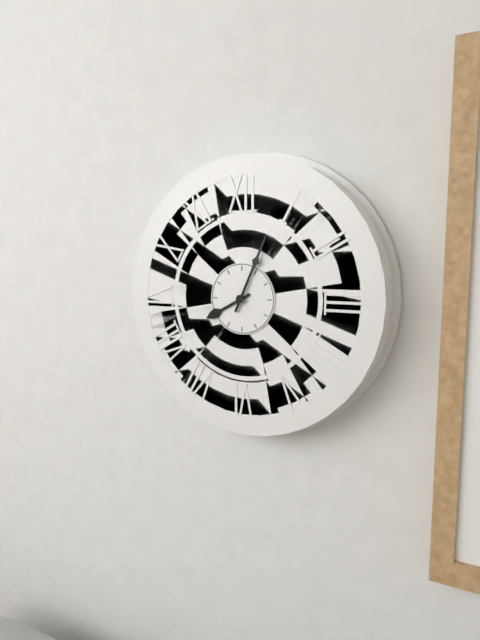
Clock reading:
**8:04**
